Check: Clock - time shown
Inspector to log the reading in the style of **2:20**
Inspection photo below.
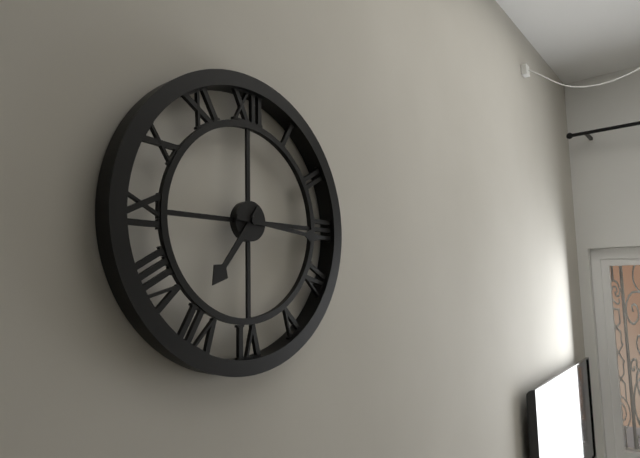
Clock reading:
**7:16**
